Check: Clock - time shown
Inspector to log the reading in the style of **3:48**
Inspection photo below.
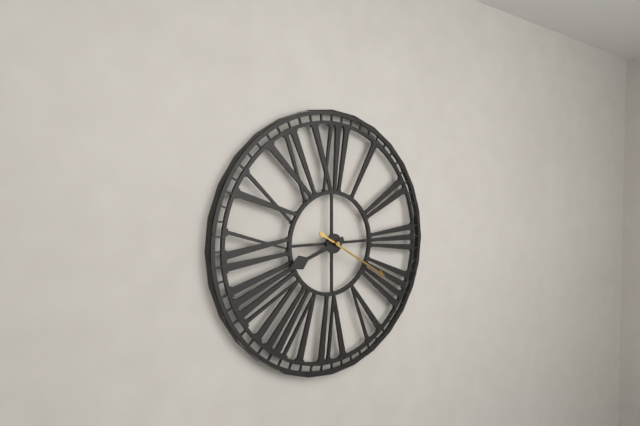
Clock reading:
**8:20**
